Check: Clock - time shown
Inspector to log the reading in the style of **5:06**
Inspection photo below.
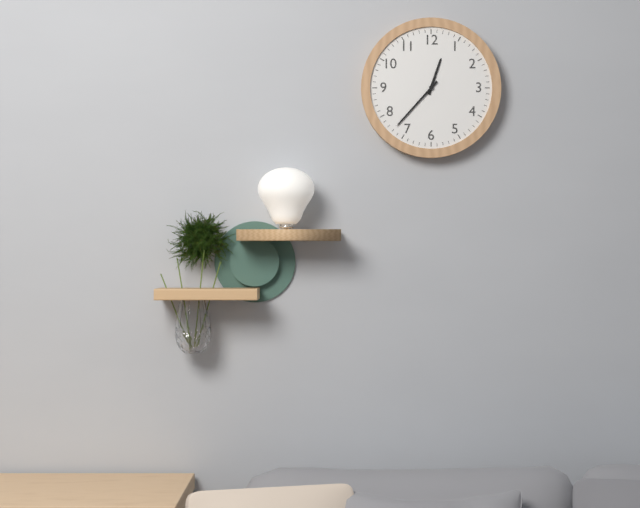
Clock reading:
**12:37**
